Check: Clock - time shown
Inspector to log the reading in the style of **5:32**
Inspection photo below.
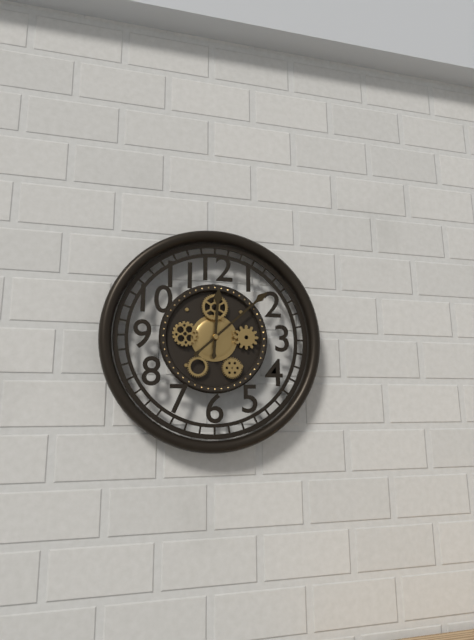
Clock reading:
**12:08**
